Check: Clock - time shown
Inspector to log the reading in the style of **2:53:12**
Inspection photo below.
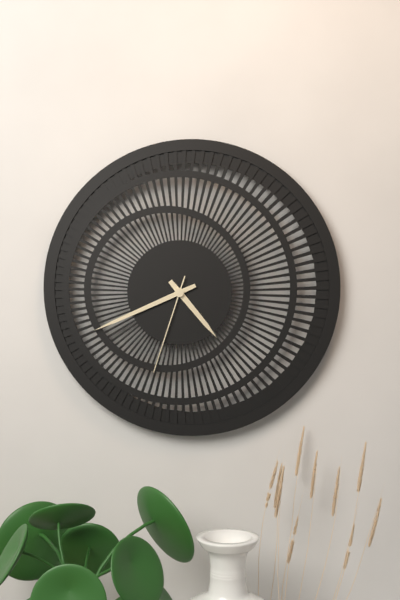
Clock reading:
**4:41:33**
